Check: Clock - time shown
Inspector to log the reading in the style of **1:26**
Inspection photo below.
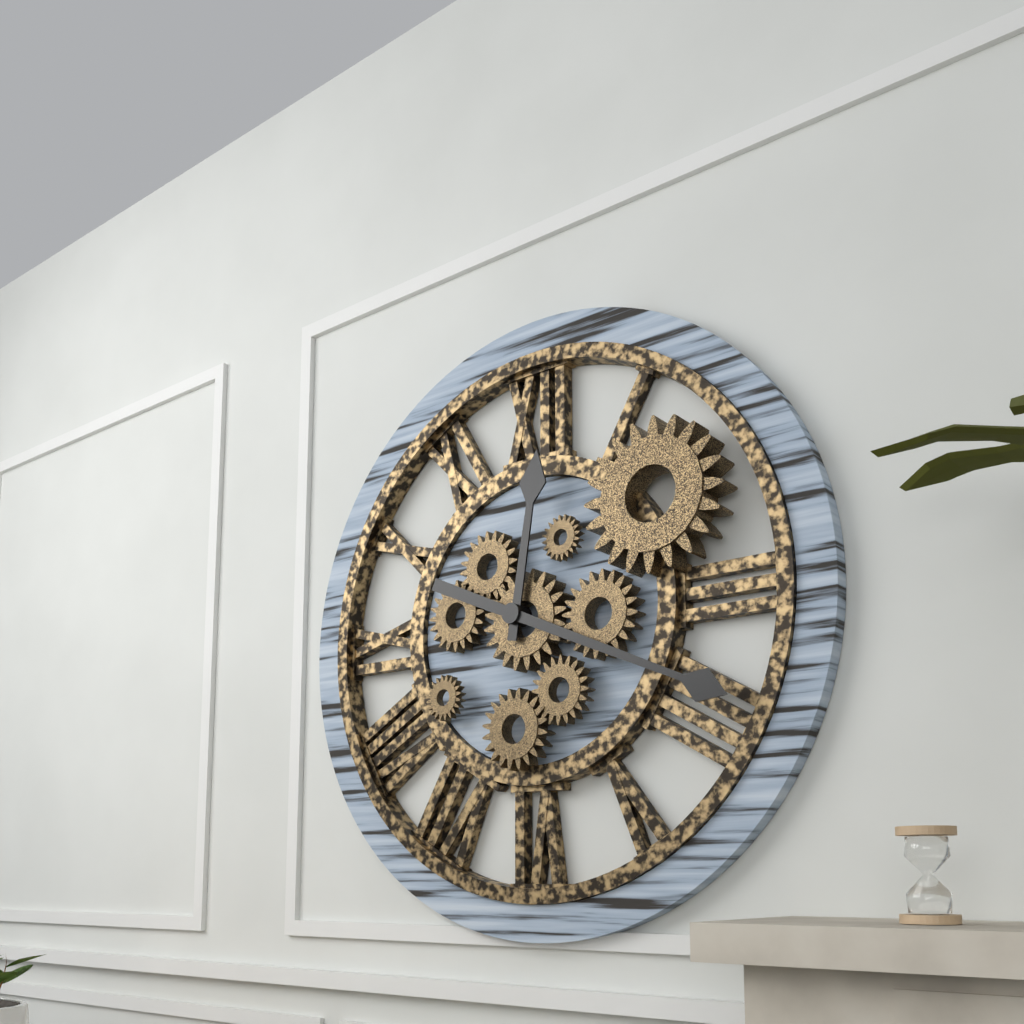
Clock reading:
**12:19**
